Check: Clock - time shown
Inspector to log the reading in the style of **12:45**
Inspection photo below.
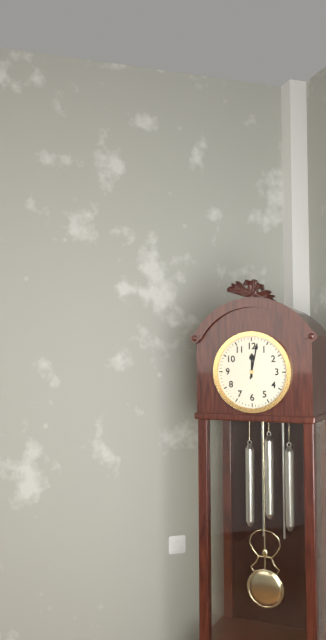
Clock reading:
**12:02**
